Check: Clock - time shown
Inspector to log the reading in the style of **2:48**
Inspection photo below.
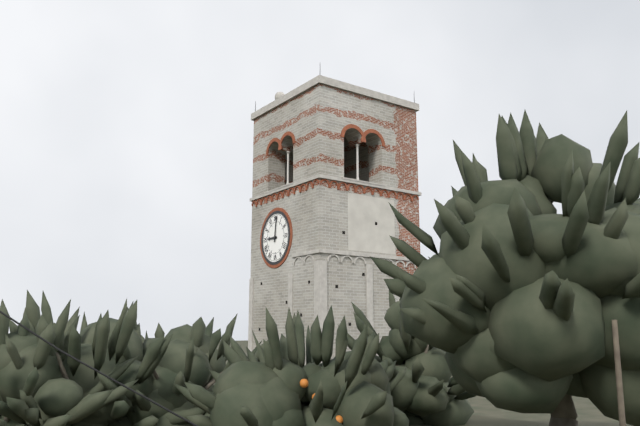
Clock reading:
**9:01**
